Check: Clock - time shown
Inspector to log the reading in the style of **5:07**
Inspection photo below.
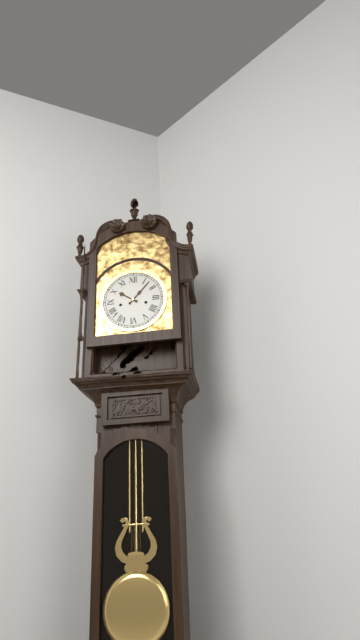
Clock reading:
**10:07**
